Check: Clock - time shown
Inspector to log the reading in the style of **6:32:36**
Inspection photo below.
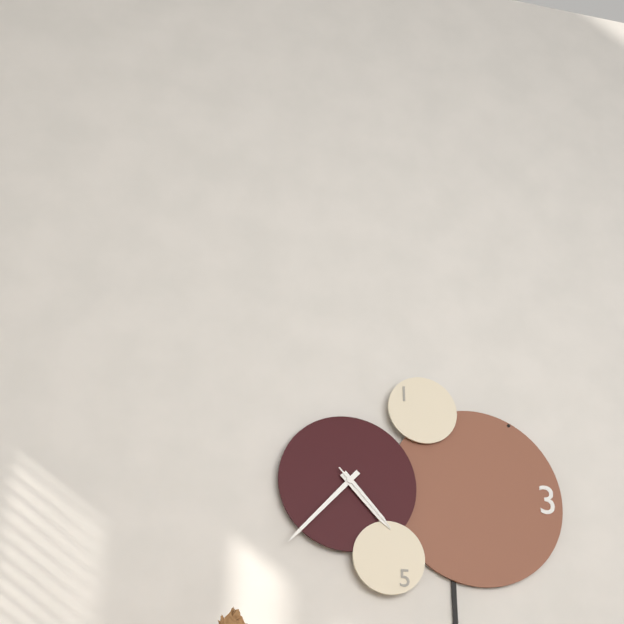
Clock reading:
**4:37:23**
